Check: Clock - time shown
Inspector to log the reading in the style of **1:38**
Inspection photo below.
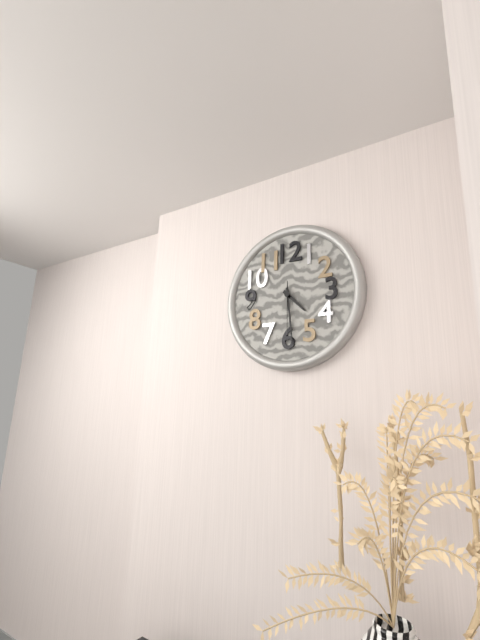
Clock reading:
**4:29**
